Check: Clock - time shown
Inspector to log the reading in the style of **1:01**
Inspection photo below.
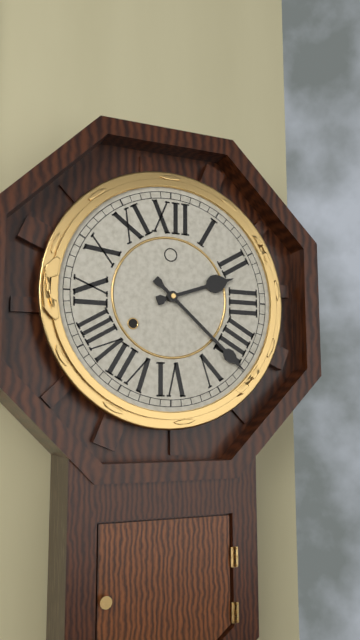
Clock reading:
**2:22**
